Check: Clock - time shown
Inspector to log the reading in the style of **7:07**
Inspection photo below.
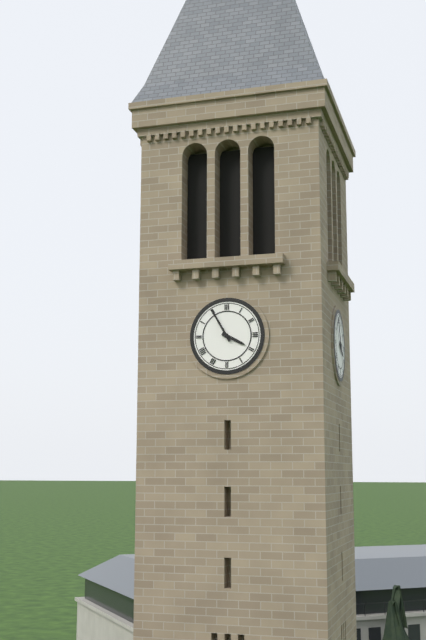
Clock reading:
**3:55**
